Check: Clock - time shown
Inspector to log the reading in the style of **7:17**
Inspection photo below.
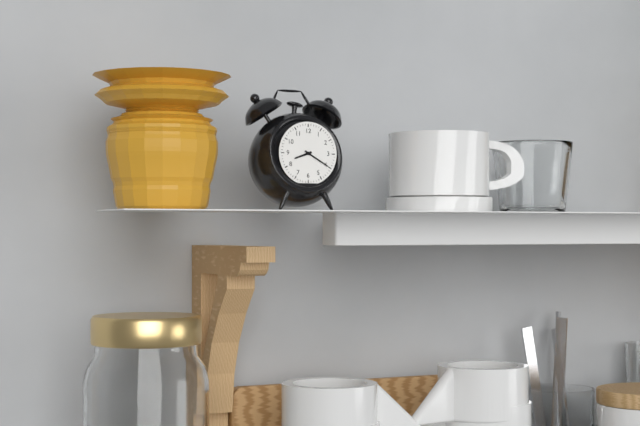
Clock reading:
**8:20**
